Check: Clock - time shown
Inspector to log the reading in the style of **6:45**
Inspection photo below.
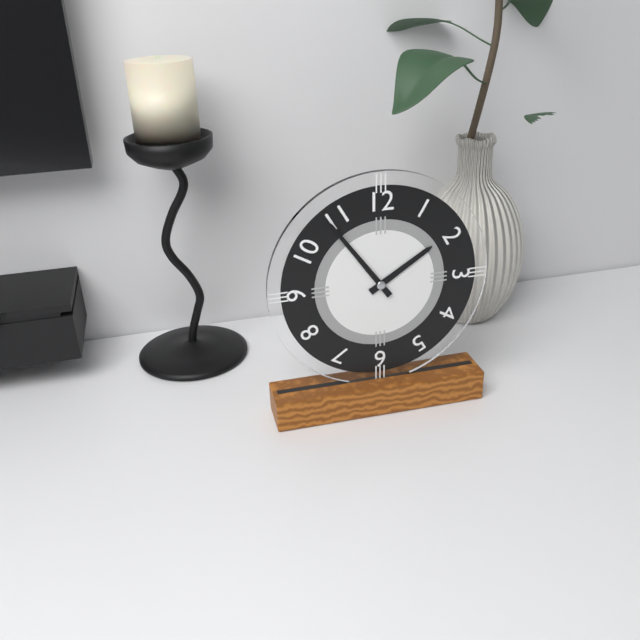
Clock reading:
**1:54**
